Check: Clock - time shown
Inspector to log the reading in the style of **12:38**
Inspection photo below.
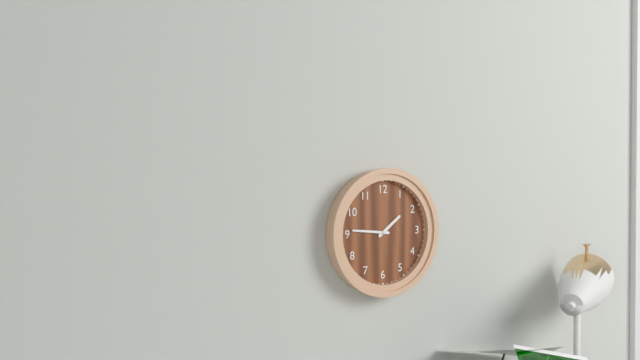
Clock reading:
**1:46**
